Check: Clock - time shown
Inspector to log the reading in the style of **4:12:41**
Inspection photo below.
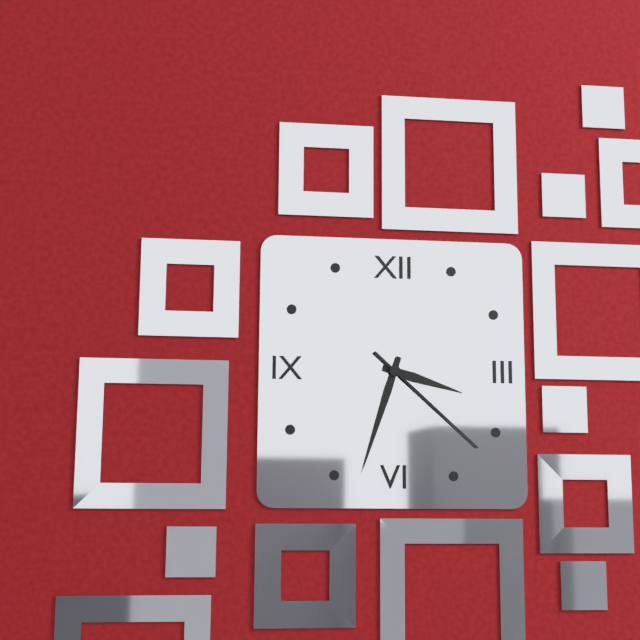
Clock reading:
**3:33:22**
